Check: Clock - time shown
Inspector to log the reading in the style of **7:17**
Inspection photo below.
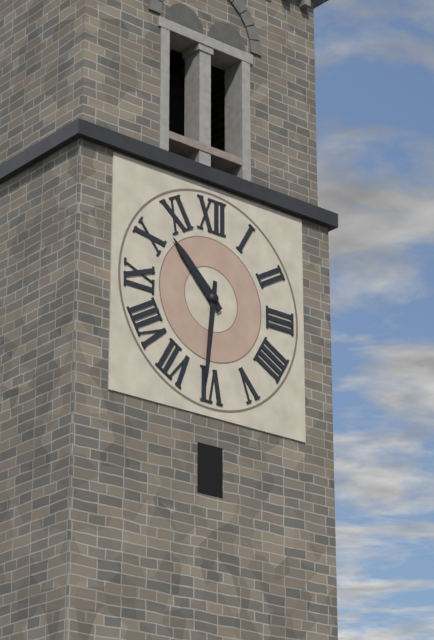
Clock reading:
**10:31**
